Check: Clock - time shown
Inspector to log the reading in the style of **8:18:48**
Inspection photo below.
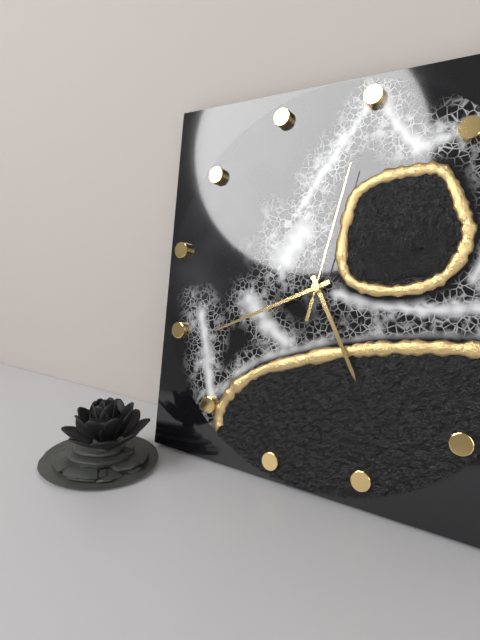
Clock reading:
**4:39:00**
